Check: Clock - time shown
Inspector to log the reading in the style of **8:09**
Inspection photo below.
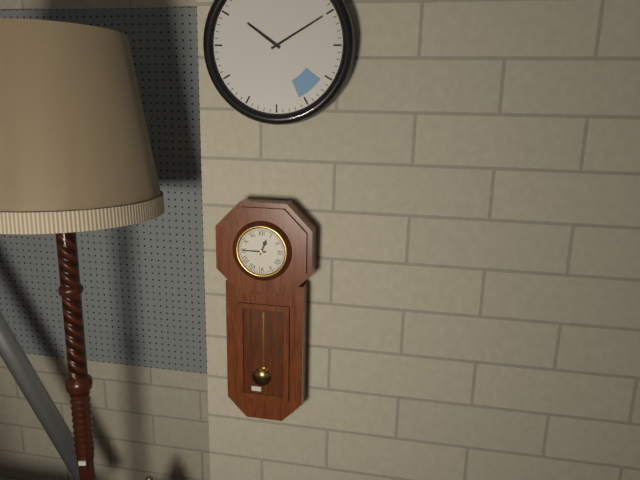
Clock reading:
**12:45**
